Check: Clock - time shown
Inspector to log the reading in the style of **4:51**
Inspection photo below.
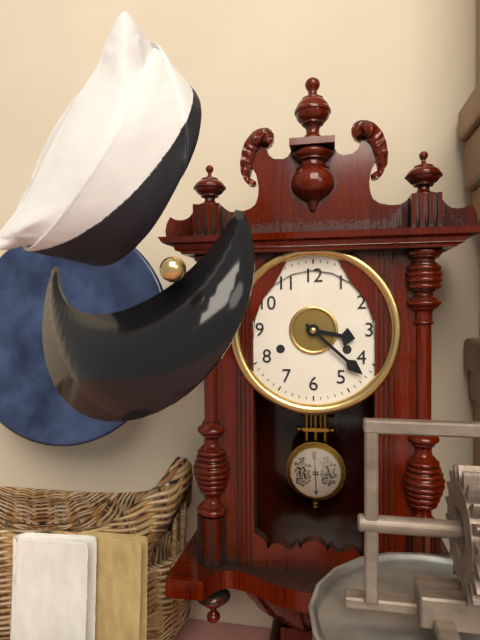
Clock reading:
**3:22**
